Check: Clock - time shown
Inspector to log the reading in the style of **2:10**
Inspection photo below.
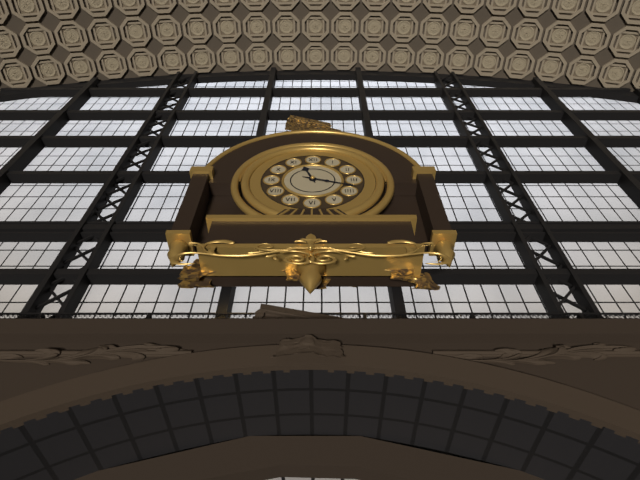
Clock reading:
**11:18**
